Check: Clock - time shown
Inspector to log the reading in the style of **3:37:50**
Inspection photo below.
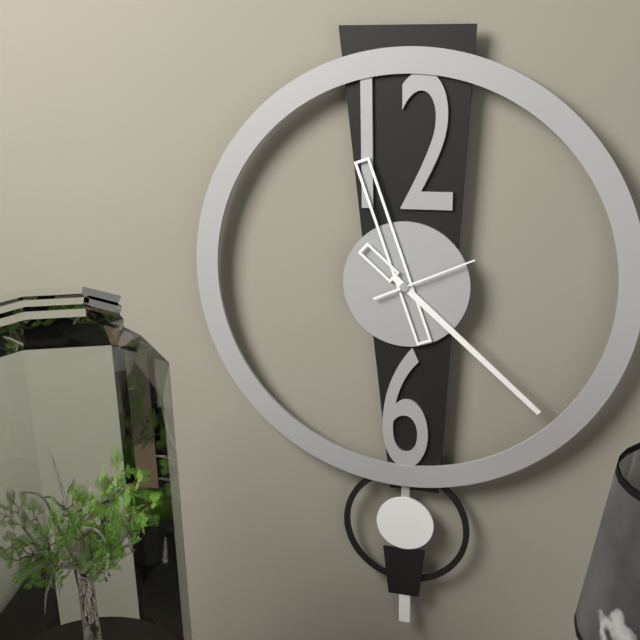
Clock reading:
**11:22:11**
